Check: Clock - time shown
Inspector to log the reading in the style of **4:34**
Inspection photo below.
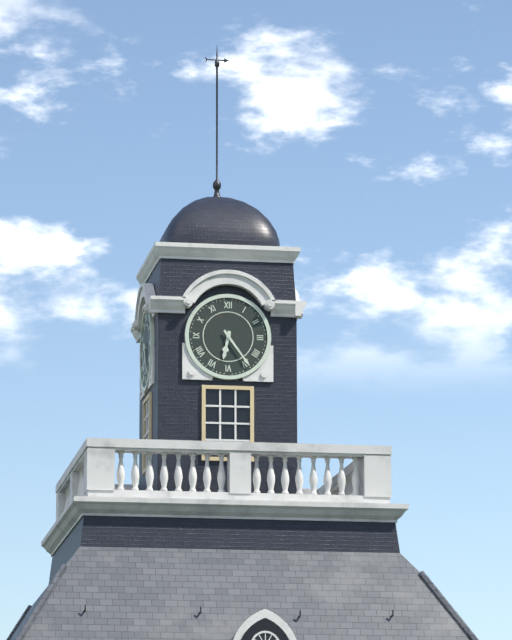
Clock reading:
**6:24**
